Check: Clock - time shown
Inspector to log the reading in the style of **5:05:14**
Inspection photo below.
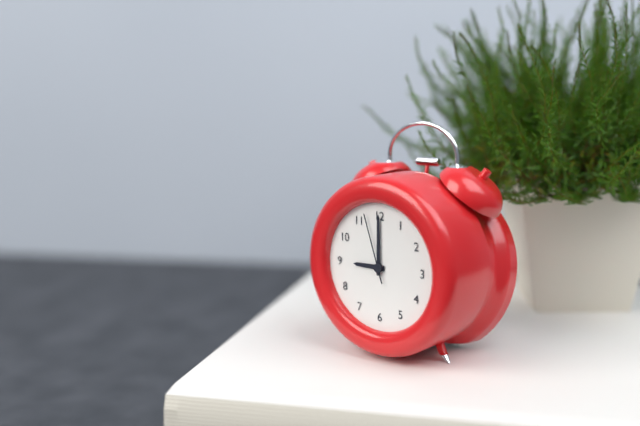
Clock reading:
**9:00:57**
